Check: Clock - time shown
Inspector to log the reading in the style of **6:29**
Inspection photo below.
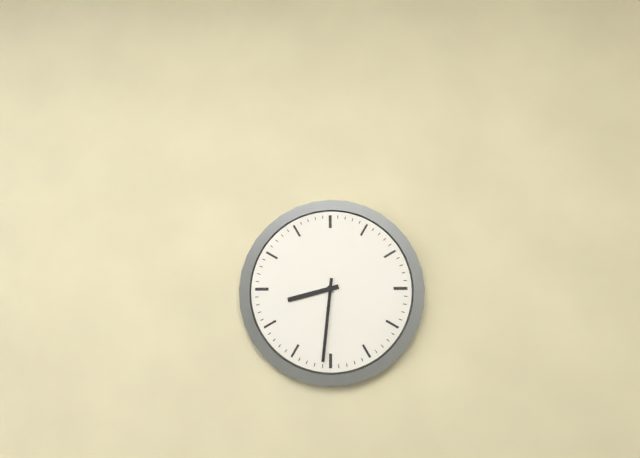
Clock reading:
**8:31**
